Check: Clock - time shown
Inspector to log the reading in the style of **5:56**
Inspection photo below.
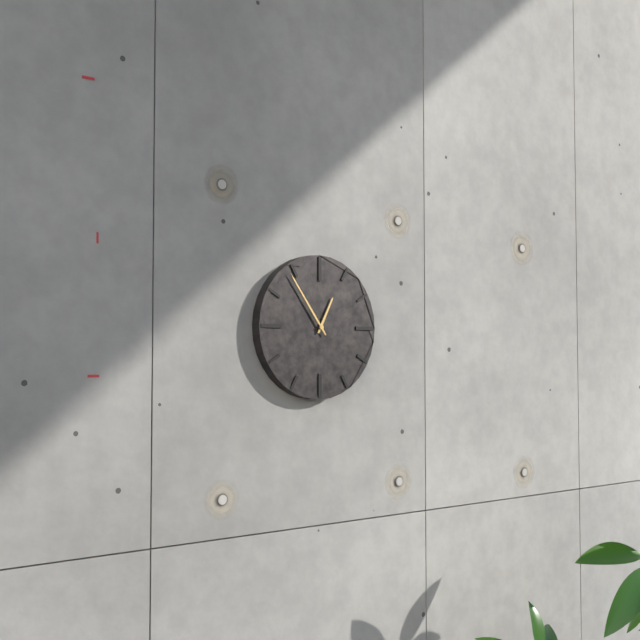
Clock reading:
**12:54**
